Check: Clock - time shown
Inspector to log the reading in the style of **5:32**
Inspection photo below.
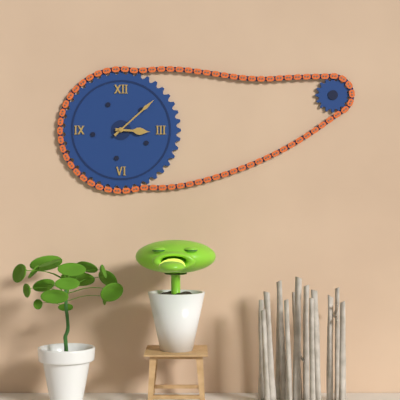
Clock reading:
**3:08**
